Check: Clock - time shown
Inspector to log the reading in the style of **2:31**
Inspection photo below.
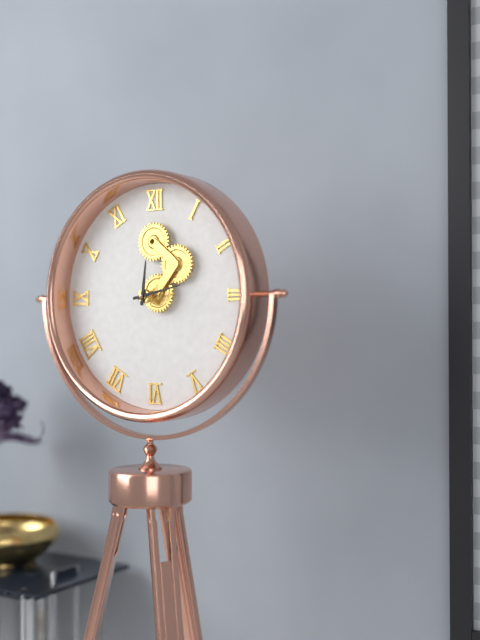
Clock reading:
**12:13**
